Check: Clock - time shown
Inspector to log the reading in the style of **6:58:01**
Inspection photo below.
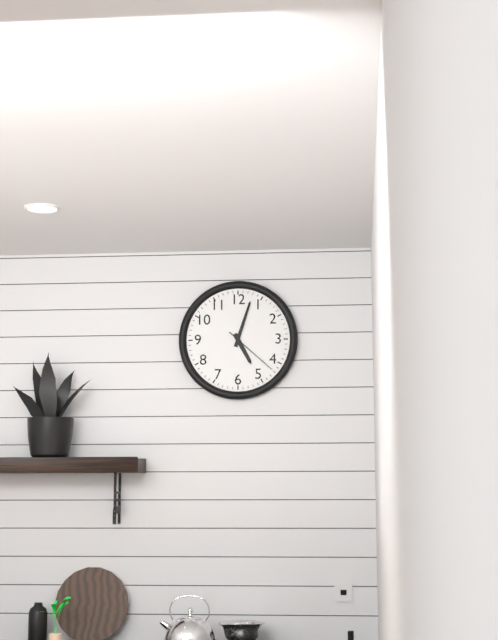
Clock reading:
**5:03:22**
